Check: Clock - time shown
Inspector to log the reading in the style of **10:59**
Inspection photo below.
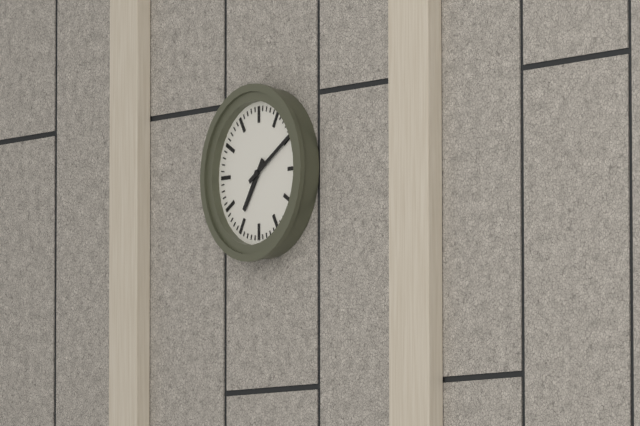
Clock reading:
**7:10**
